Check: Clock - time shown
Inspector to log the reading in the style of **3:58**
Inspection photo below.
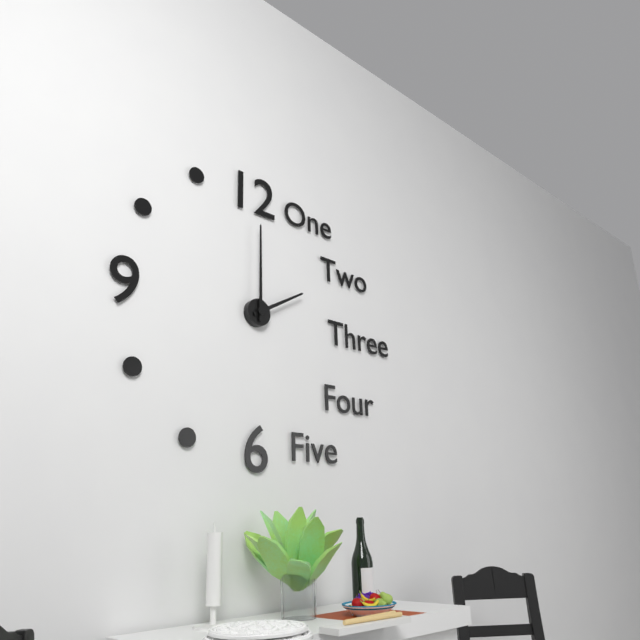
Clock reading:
**2:00**
